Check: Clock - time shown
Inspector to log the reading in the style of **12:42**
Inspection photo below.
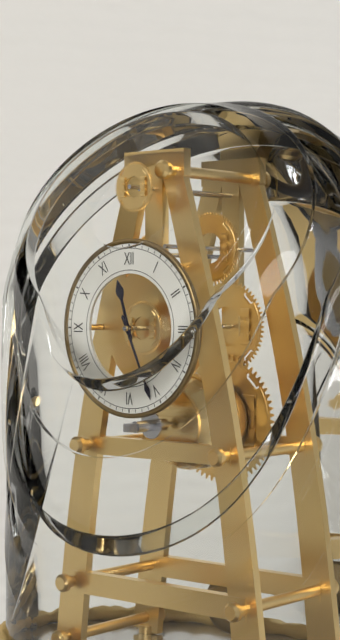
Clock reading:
**11:26**
